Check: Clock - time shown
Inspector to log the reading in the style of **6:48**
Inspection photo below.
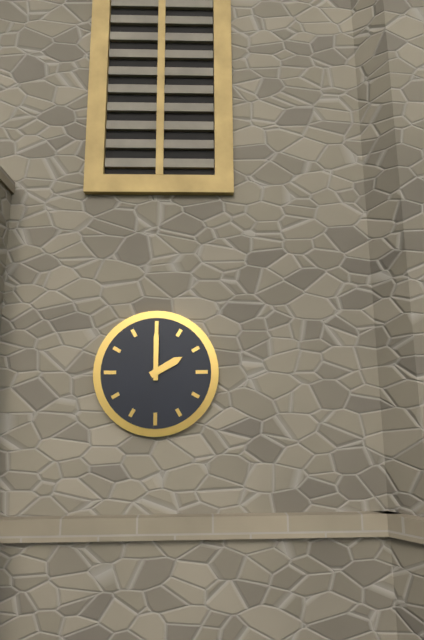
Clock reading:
**2:00**
